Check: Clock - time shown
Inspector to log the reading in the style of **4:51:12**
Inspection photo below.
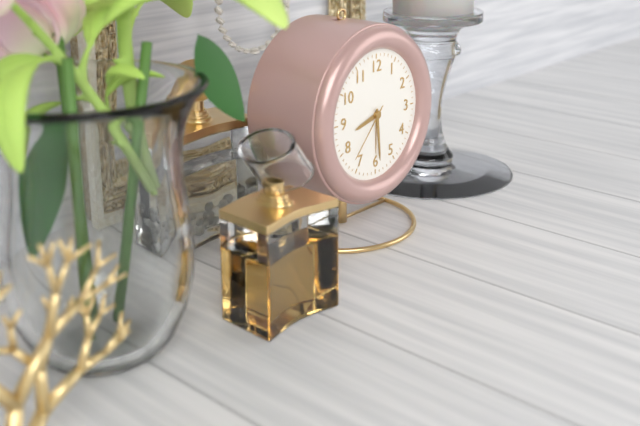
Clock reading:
**8:29:37**
